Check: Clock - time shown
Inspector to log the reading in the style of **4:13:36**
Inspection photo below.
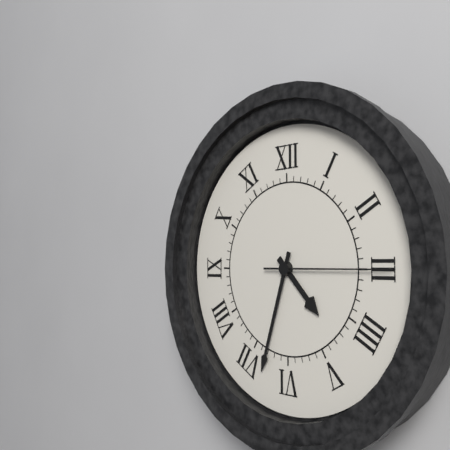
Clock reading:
**4:33:15**
